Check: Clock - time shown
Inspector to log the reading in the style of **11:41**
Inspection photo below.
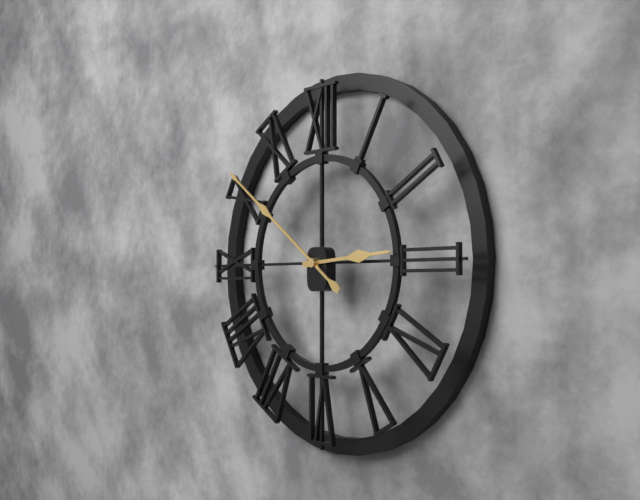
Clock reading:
**2:51**
